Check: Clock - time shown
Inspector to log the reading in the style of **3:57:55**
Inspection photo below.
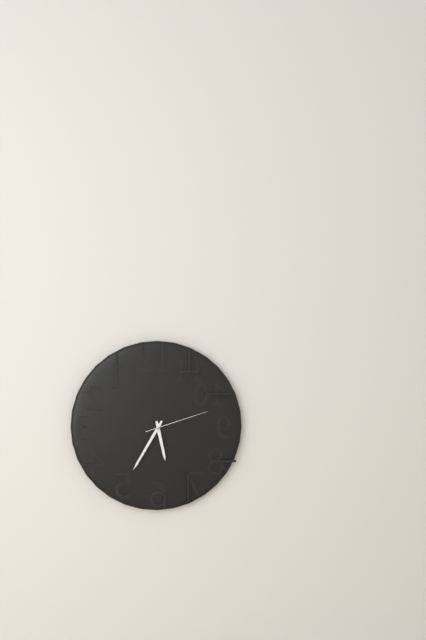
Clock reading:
**5:35:12**
